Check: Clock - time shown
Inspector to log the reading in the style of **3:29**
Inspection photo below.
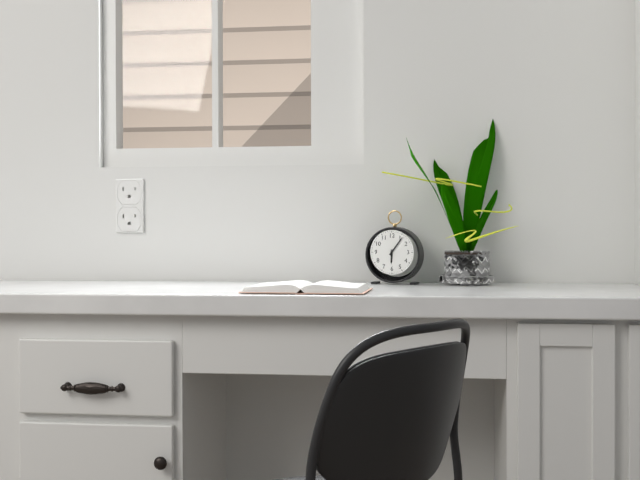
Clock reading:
**6:06**
